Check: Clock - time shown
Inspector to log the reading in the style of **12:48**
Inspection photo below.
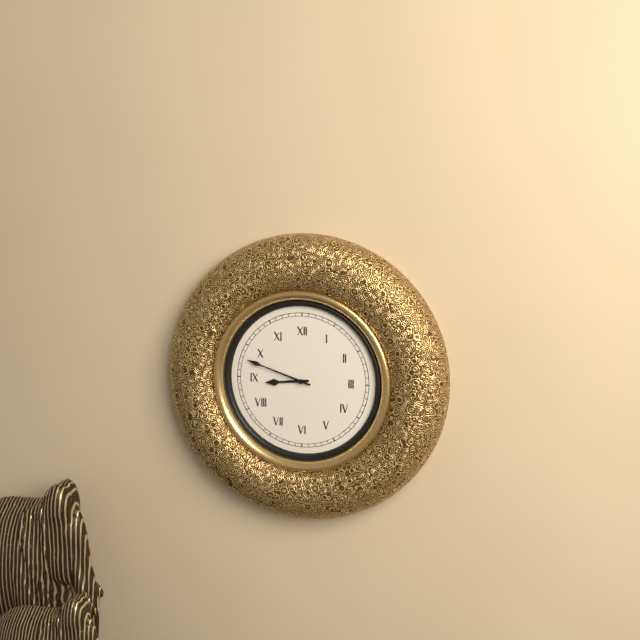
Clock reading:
**8:48**
